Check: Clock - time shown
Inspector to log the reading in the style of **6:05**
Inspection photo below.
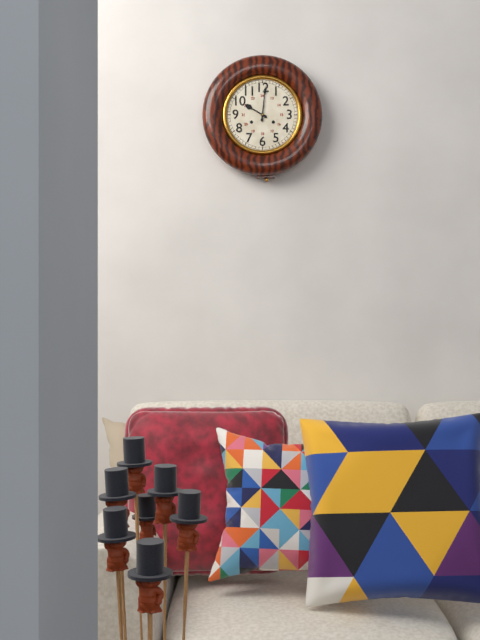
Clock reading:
**10:01**
